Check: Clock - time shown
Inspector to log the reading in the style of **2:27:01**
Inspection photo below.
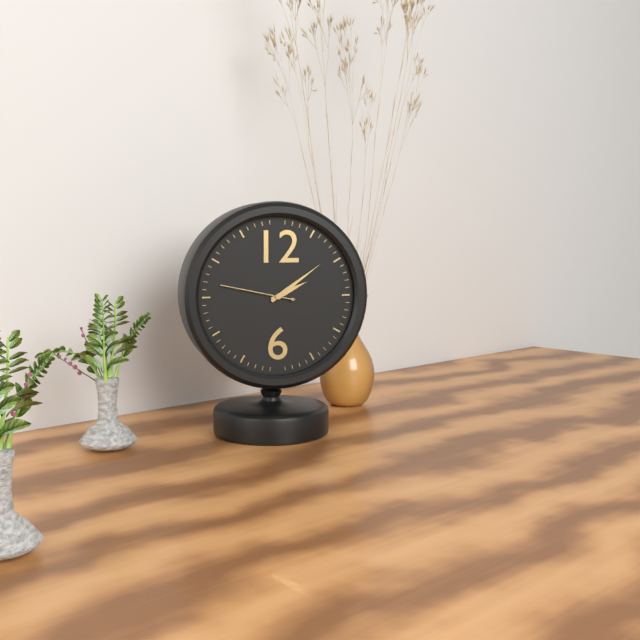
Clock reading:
**2:09:47**
